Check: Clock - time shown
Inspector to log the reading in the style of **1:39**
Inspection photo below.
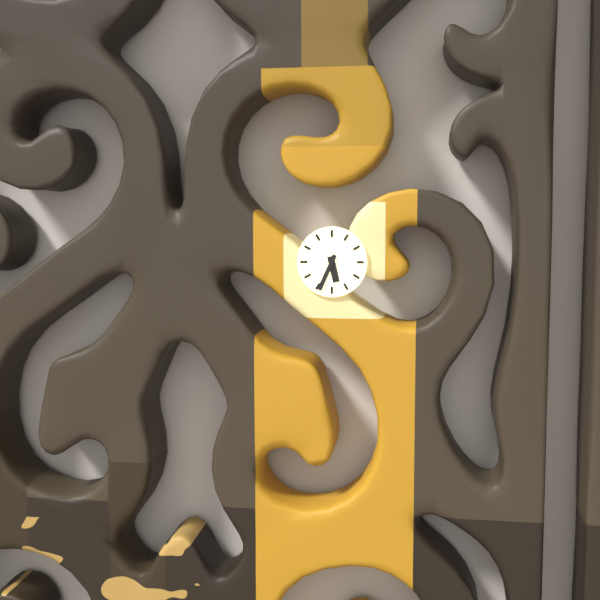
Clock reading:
**5:34**
